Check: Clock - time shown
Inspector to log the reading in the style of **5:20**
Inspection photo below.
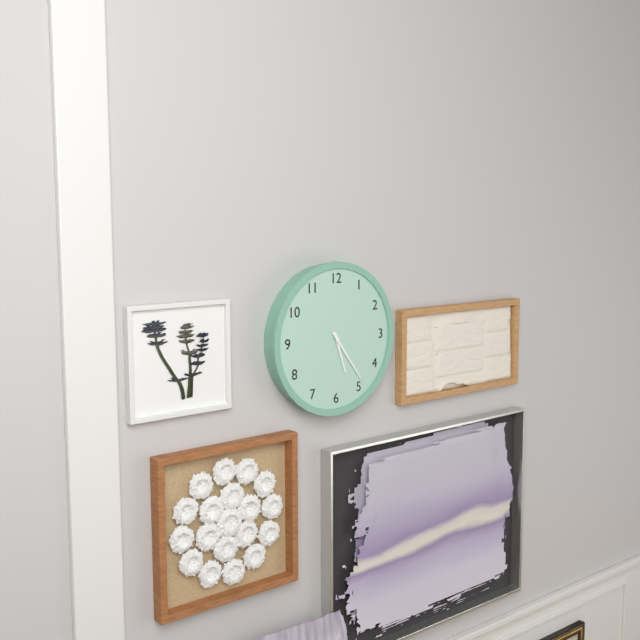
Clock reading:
**5:24**
